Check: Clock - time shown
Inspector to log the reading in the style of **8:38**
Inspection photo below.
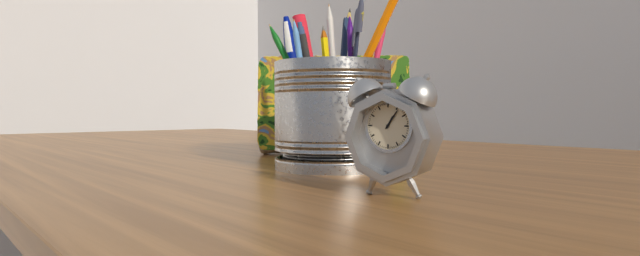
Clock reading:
**1:06**
